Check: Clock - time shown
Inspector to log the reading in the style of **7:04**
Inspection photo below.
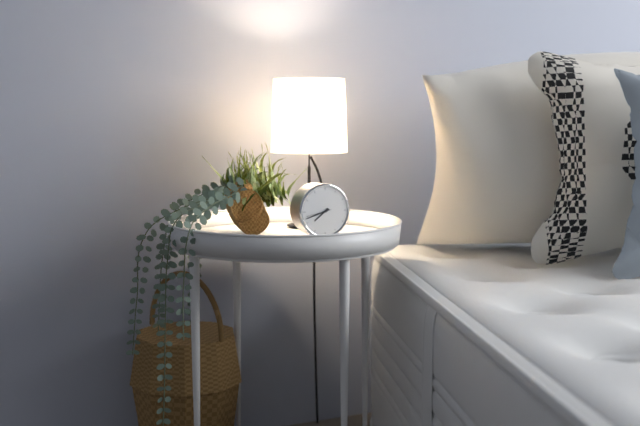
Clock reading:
**7:42**
